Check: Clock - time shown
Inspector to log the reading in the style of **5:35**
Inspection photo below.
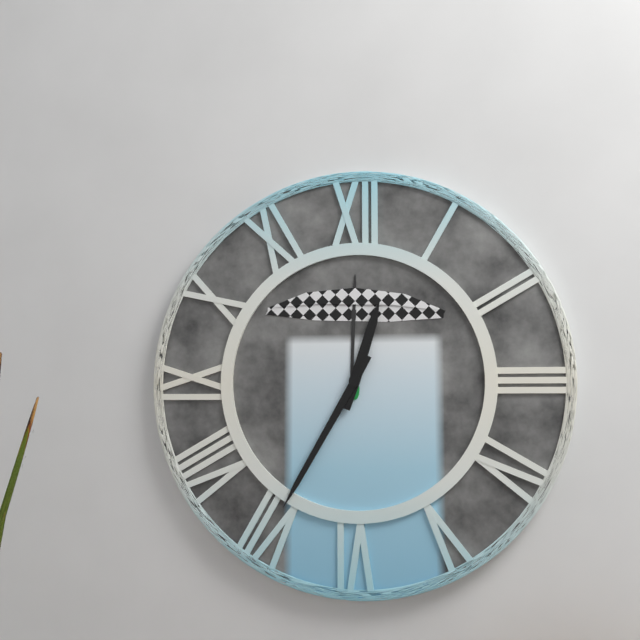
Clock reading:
**12:35**
